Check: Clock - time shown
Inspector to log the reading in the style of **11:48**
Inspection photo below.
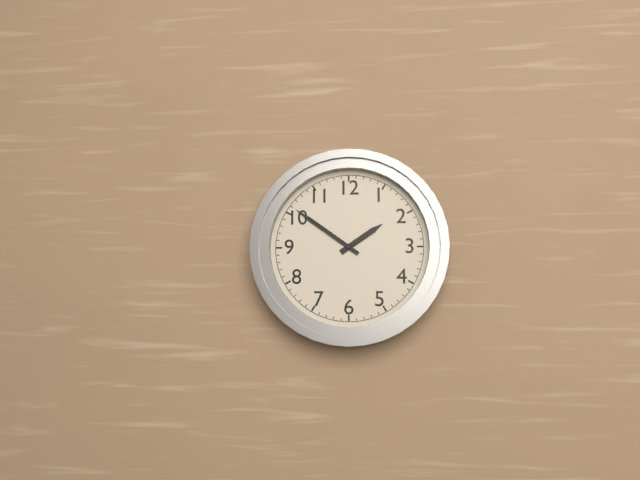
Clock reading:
**1:51**
